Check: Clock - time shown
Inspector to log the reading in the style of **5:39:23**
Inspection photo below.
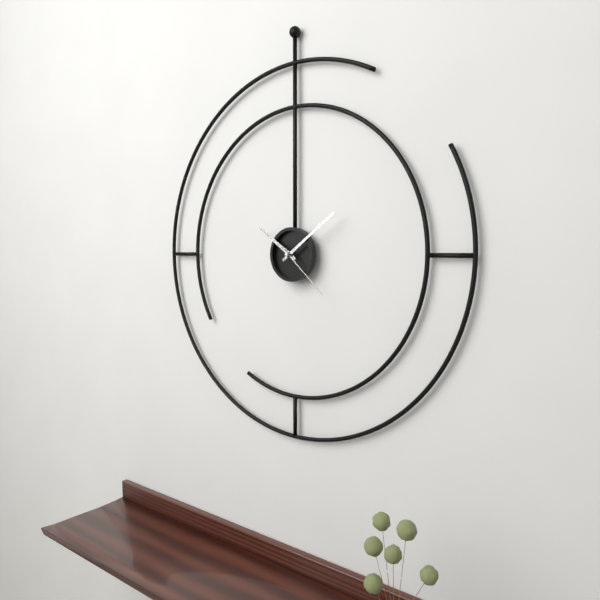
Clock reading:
**10:09:22**
